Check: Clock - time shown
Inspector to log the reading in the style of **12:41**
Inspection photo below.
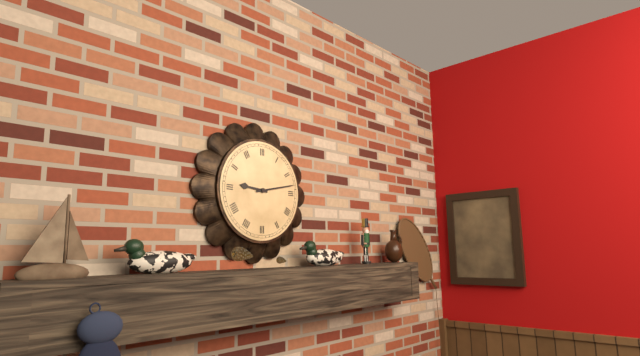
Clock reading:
**9:13**
